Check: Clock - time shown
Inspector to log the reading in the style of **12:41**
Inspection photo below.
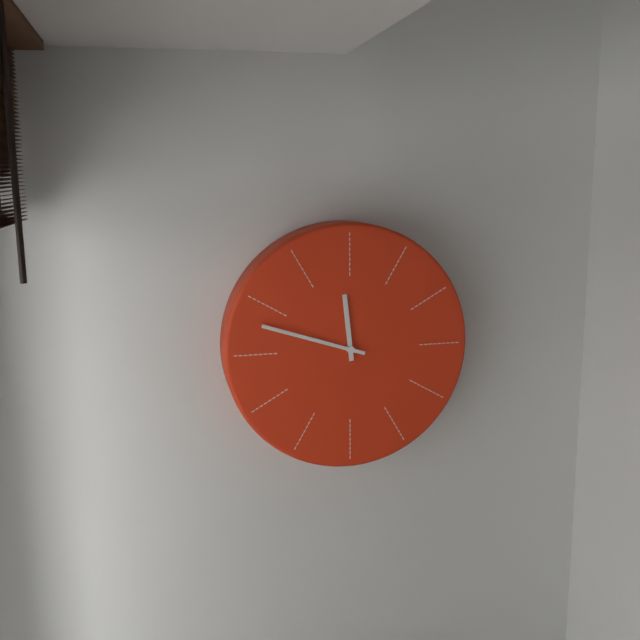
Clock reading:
**11:48**
